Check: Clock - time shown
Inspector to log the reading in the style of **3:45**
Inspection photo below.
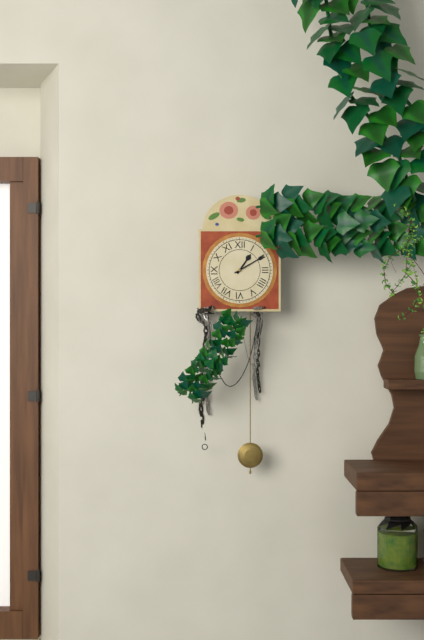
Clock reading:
**1:10**
